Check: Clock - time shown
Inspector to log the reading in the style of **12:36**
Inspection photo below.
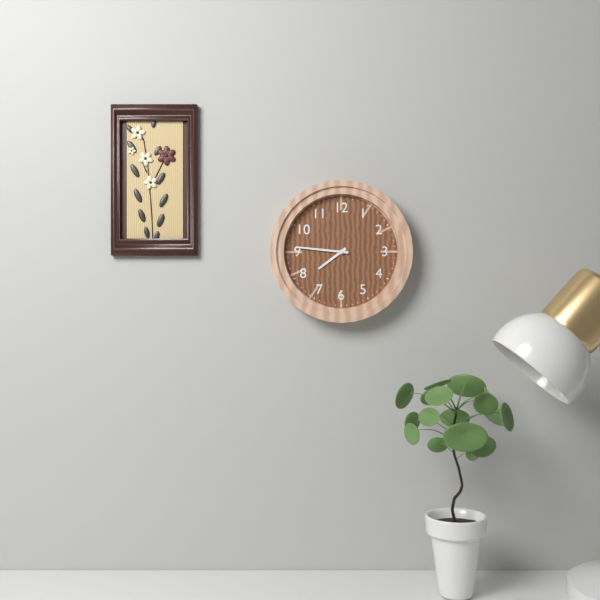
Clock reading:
**7:46**
